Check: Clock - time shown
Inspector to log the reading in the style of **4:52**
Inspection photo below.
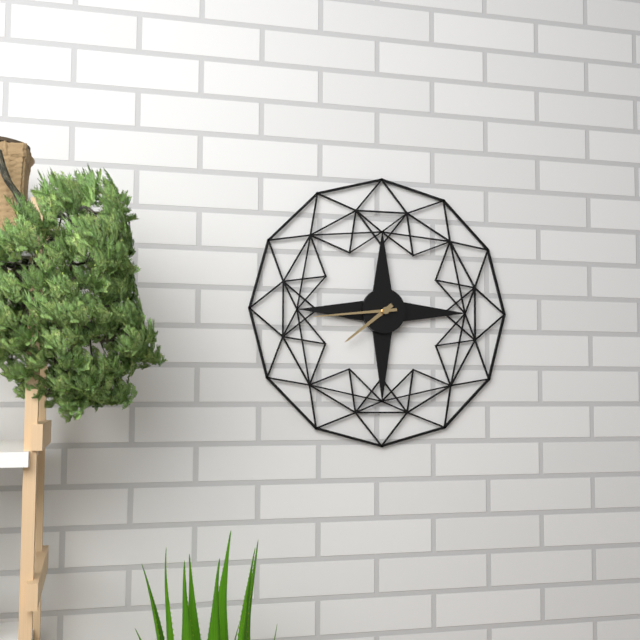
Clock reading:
**7:44**
